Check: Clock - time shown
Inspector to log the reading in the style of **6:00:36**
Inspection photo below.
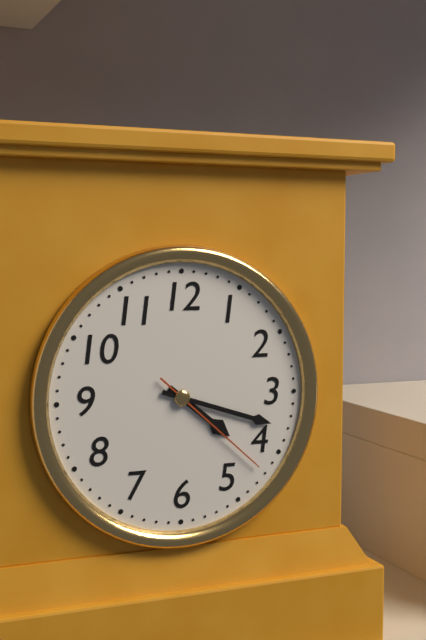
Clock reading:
**4:18:22**
